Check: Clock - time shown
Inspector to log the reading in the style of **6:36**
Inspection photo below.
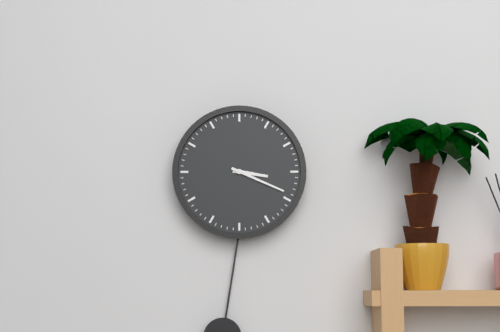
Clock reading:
**3:19**
